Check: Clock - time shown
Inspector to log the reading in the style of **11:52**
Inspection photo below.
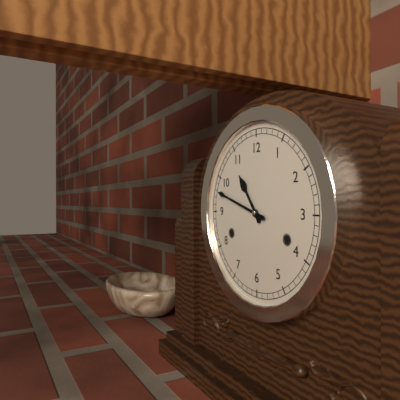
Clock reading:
**10:48**
